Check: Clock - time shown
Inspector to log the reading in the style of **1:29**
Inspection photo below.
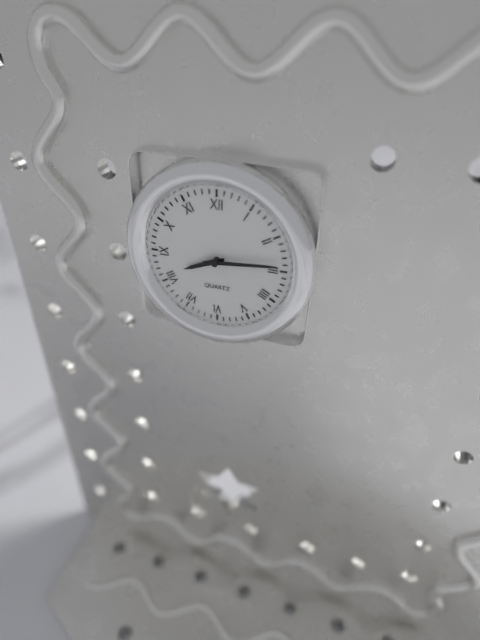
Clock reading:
**8:14**
